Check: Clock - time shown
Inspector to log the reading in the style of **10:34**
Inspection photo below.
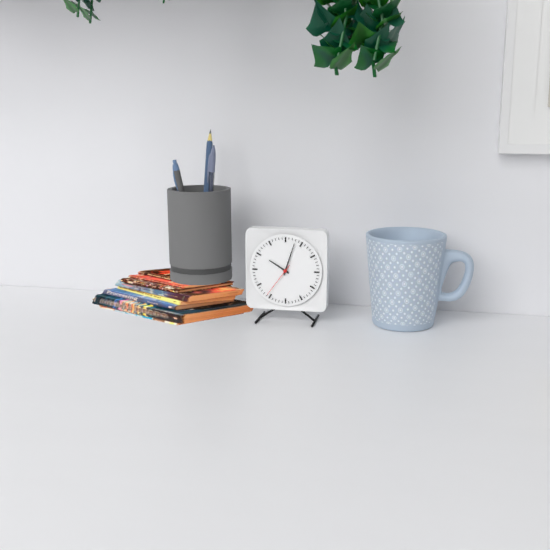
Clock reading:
**10:03**
